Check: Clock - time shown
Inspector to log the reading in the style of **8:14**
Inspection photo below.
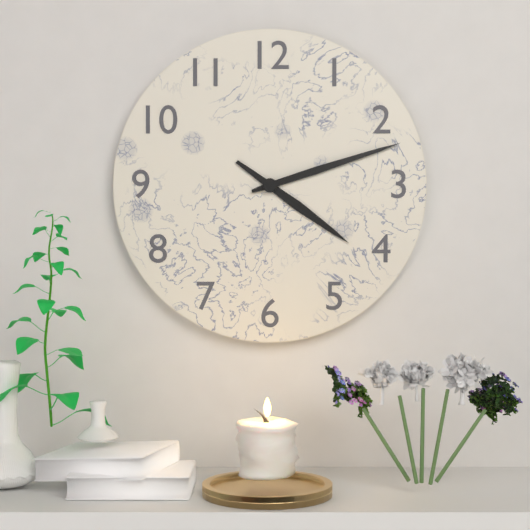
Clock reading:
**4:12**
